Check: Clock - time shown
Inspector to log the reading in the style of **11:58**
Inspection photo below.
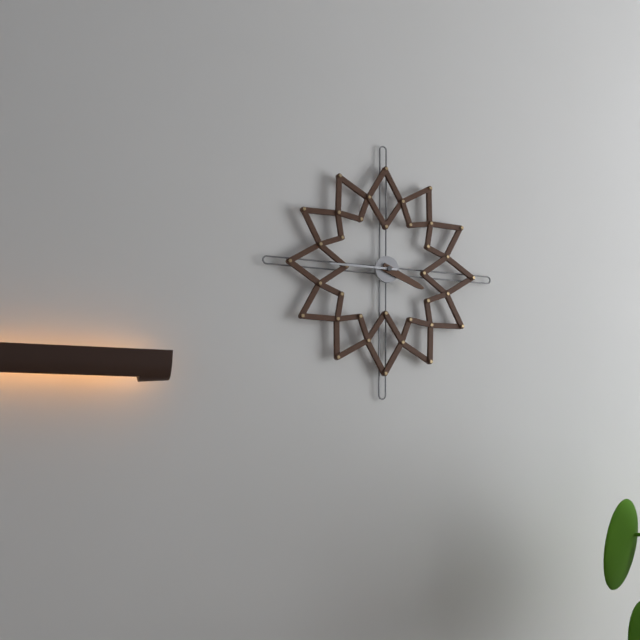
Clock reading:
**3:45**
